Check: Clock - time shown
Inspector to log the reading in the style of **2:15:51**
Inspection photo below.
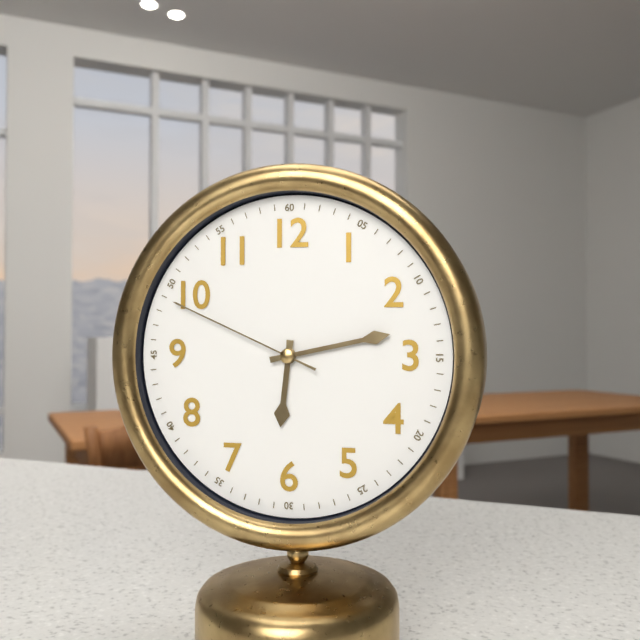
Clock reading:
**6:13:49**
